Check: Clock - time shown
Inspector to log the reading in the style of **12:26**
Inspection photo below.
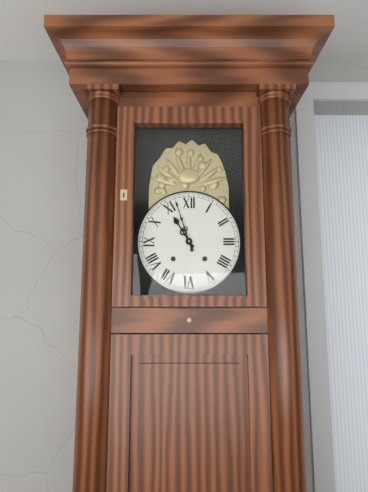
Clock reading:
**10:57**
